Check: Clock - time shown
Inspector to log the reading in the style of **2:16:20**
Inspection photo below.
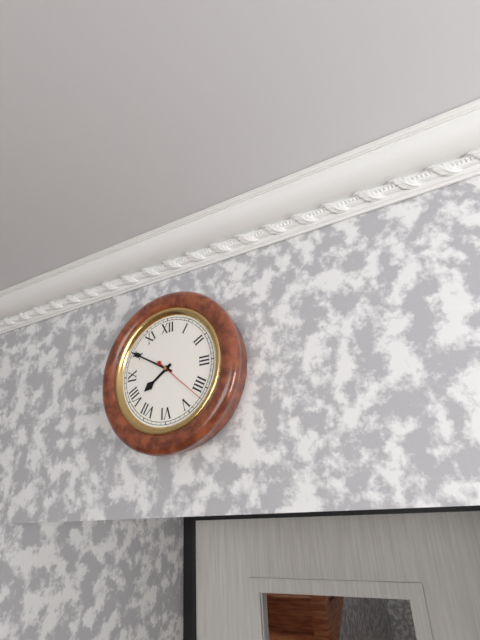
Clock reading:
**7:50:22**
